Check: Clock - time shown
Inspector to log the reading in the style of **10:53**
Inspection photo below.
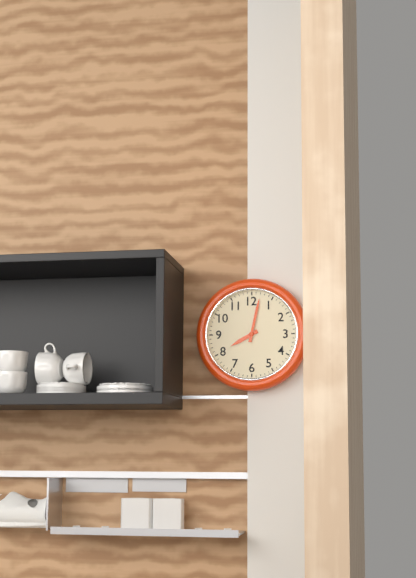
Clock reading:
**8:02**
